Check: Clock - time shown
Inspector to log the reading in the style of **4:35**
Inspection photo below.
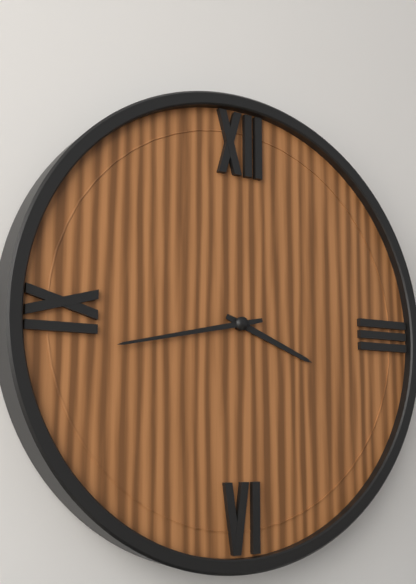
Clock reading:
**3:43**
